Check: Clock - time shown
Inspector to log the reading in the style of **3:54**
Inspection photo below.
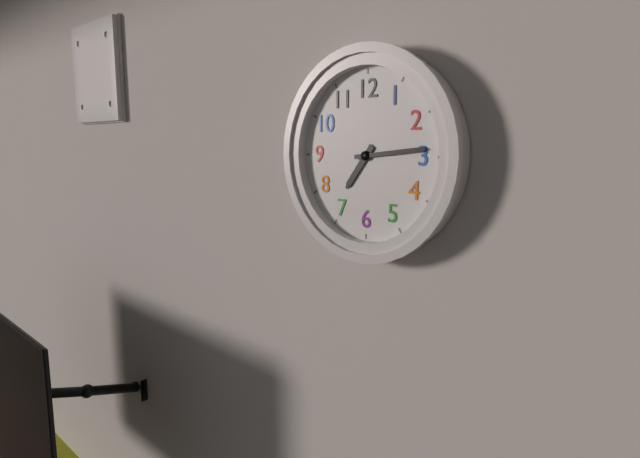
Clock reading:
**7:14**
